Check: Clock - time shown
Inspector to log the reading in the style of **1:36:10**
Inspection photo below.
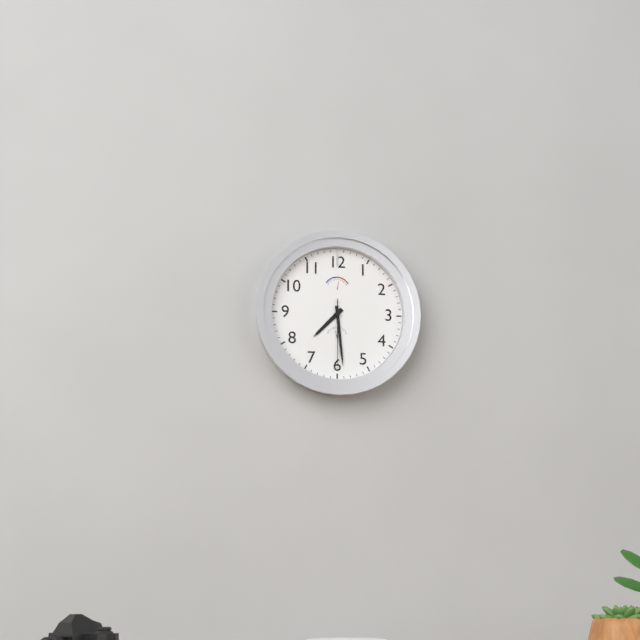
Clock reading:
**7:29:30**
